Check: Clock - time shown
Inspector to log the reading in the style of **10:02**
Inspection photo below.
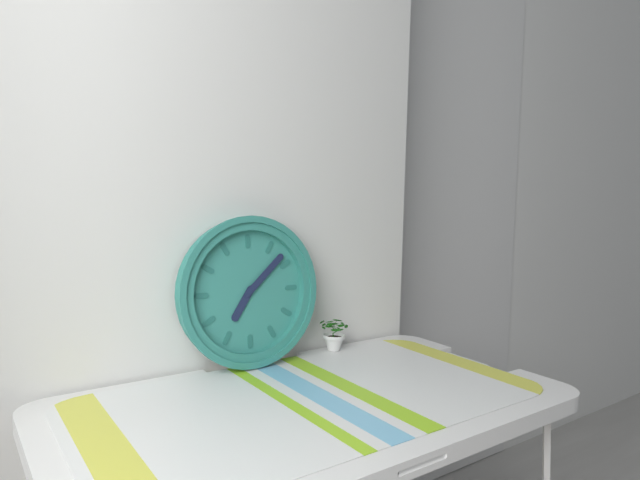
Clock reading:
**7:08**
